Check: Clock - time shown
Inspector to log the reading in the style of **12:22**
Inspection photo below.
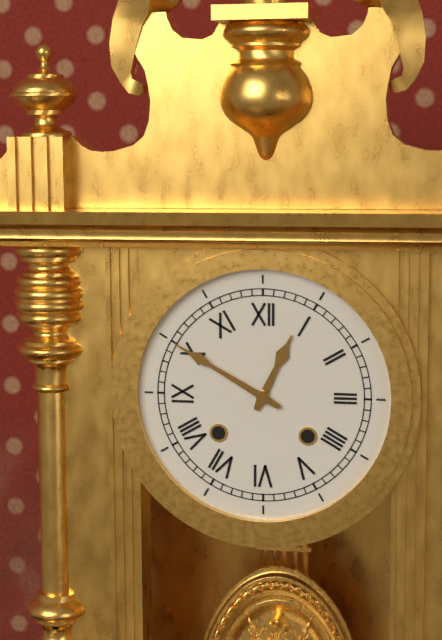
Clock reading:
**12:50**
